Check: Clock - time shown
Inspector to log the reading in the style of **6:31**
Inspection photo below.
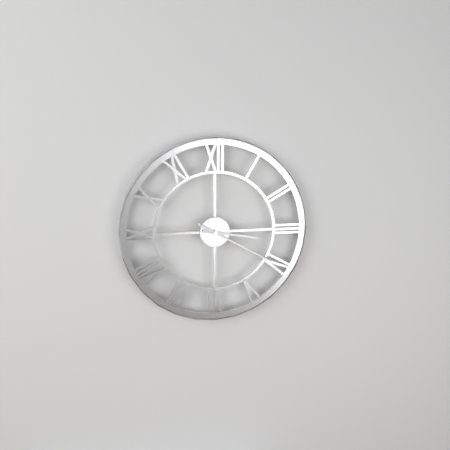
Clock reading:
**3:20**
